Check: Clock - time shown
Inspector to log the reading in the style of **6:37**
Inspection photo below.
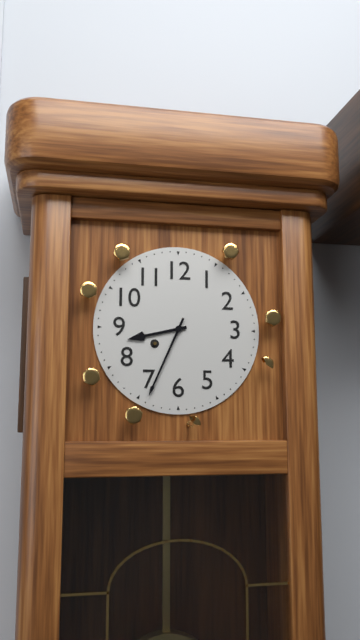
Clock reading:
**8:34**
